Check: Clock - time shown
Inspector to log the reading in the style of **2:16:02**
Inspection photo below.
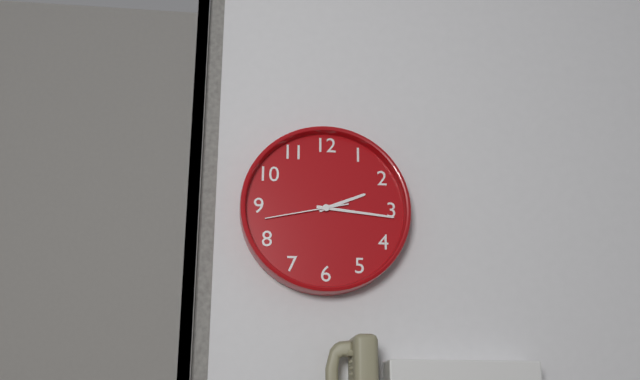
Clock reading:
**2:16:43**
